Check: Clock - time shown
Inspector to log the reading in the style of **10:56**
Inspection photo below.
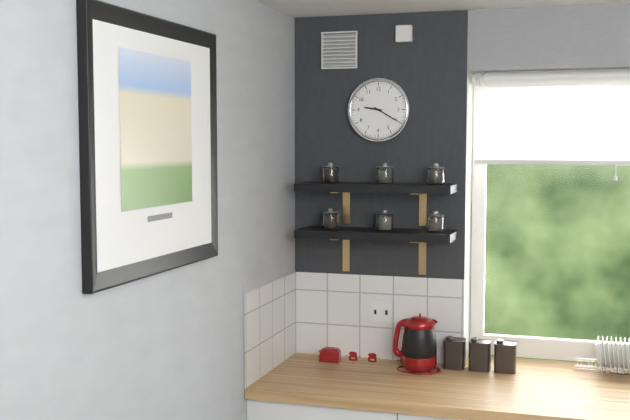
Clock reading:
**9:20**
